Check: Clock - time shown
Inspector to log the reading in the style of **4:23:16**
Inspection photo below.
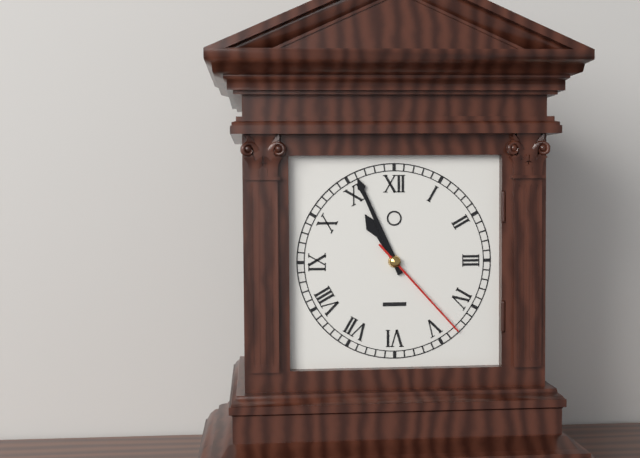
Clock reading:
**10:56:23**
